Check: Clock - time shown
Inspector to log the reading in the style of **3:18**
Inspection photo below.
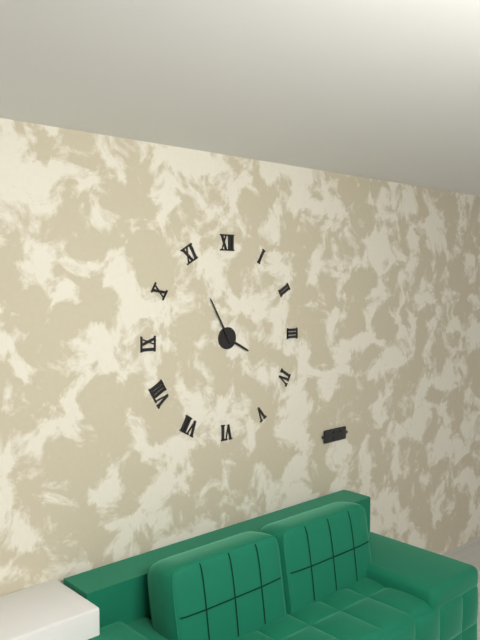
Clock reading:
**3:55**
